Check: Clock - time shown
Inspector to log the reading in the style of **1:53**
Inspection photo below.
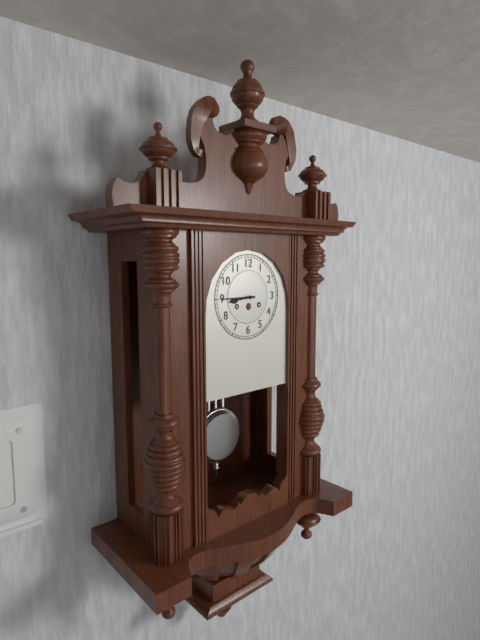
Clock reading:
**8:45**
